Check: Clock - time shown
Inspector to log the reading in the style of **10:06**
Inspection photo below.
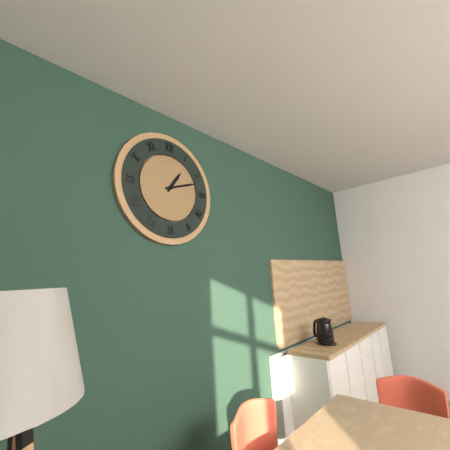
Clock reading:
**1:12**
